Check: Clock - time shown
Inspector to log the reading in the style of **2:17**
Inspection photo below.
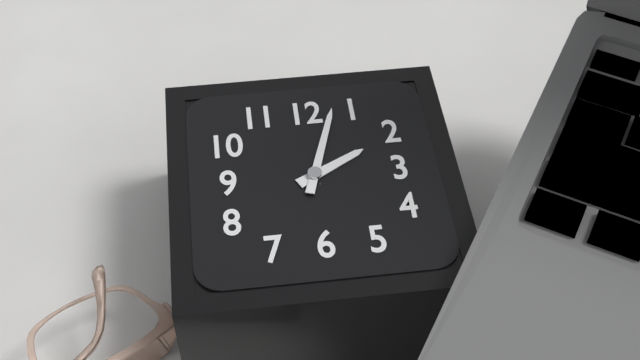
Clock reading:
**2:03**
